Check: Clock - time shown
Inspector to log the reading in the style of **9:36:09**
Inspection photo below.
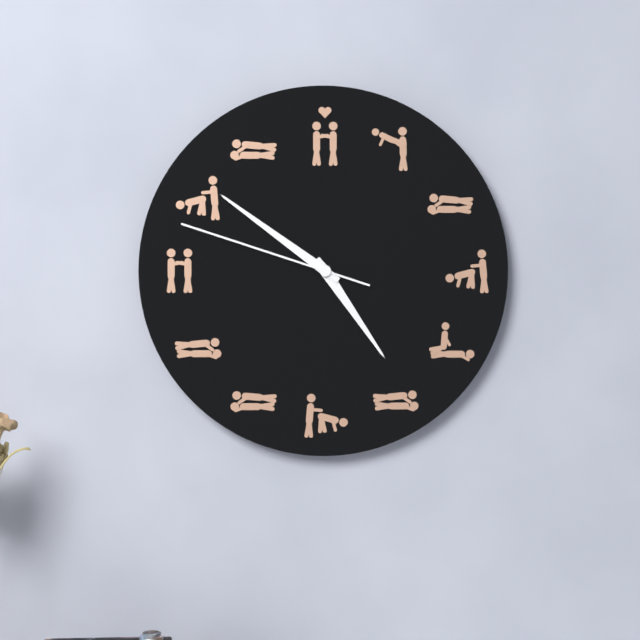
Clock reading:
**4:51:48**
